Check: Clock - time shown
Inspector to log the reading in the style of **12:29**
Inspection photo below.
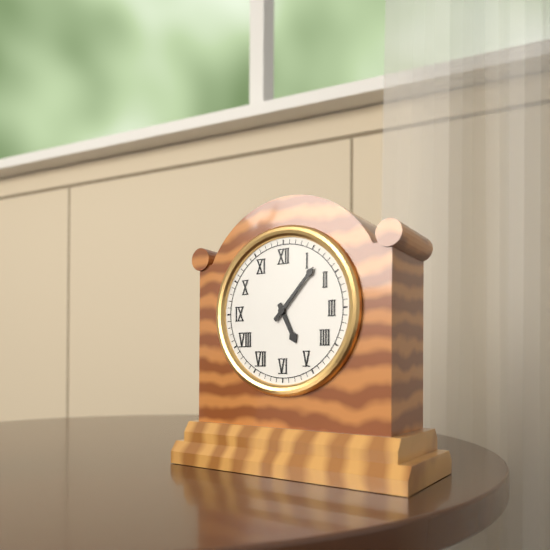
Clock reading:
**5:07**
